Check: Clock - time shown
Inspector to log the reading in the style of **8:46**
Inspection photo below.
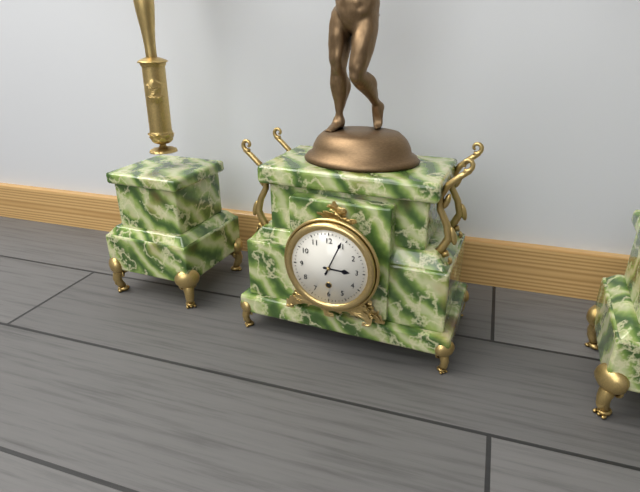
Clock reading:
**3:04**
